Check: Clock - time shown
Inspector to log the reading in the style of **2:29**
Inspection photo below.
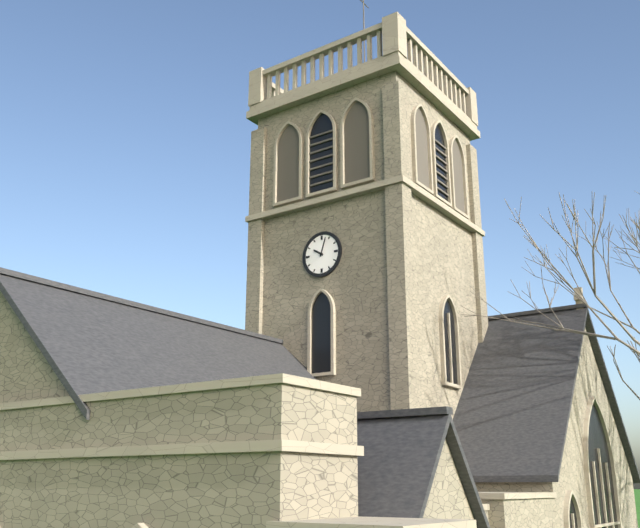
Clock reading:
**10:03**
